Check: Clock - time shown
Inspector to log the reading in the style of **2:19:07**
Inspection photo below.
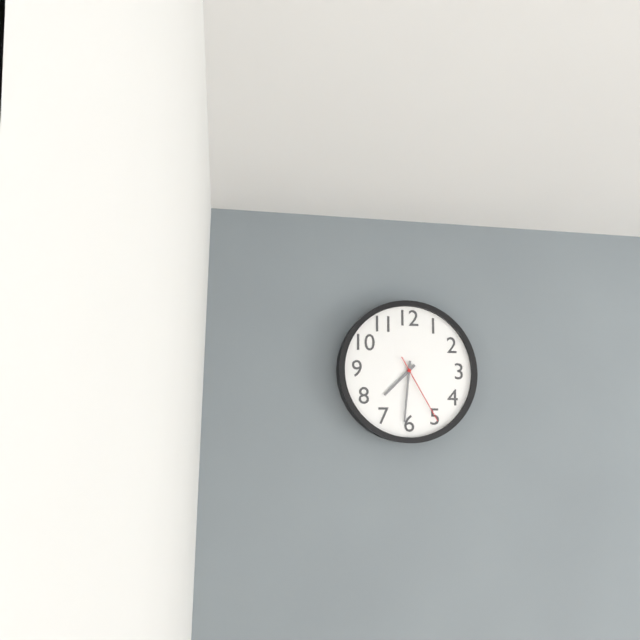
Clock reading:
**7:31:25**
